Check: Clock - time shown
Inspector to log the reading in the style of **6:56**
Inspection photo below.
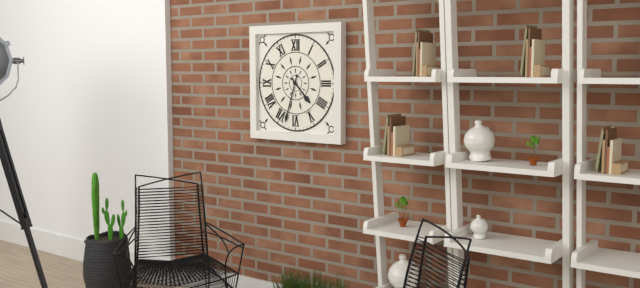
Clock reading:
**4:33**
